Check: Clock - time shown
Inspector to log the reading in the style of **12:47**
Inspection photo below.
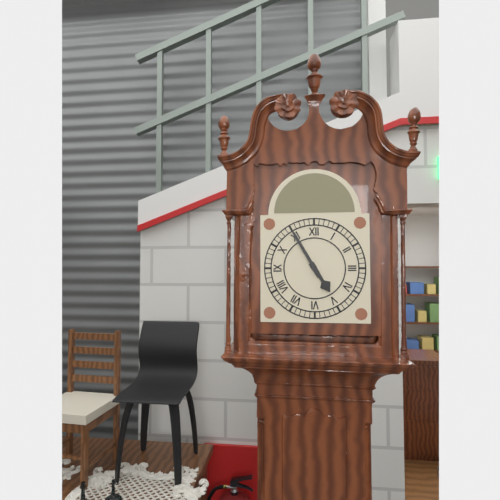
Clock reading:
**4:55**
